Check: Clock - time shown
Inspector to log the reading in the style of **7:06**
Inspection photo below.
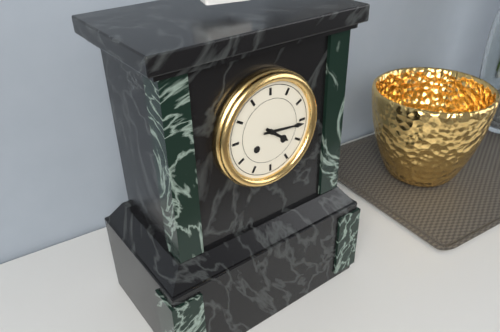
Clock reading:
**4:16**
